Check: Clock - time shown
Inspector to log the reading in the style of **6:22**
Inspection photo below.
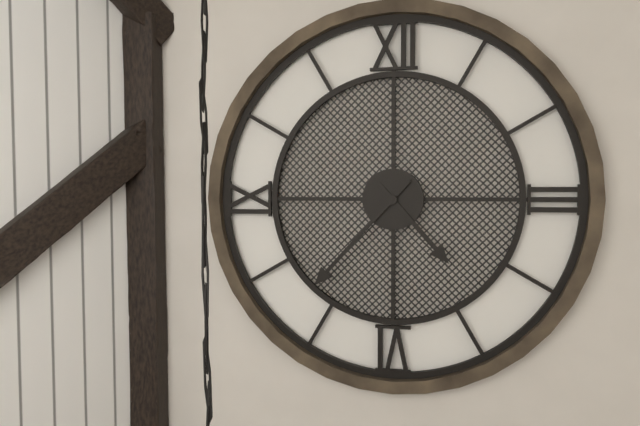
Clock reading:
**4:37**
